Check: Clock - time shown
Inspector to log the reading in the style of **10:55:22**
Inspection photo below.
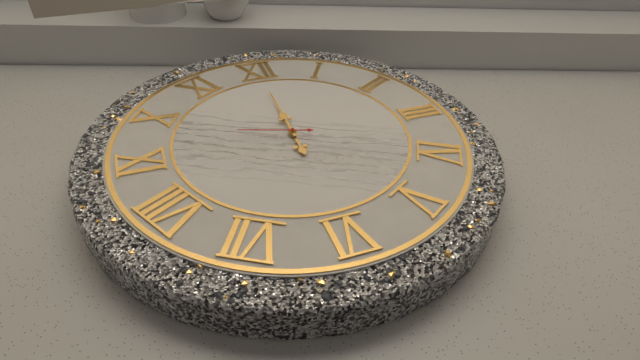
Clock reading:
**6:00:48**
